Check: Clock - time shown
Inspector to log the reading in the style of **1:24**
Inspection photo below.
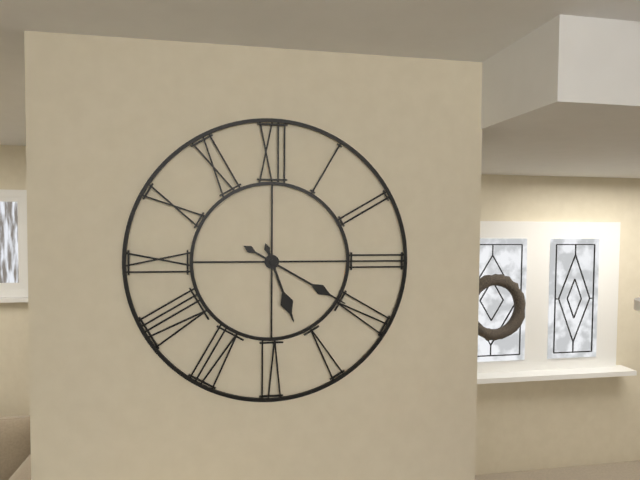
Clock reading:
**5:20**
